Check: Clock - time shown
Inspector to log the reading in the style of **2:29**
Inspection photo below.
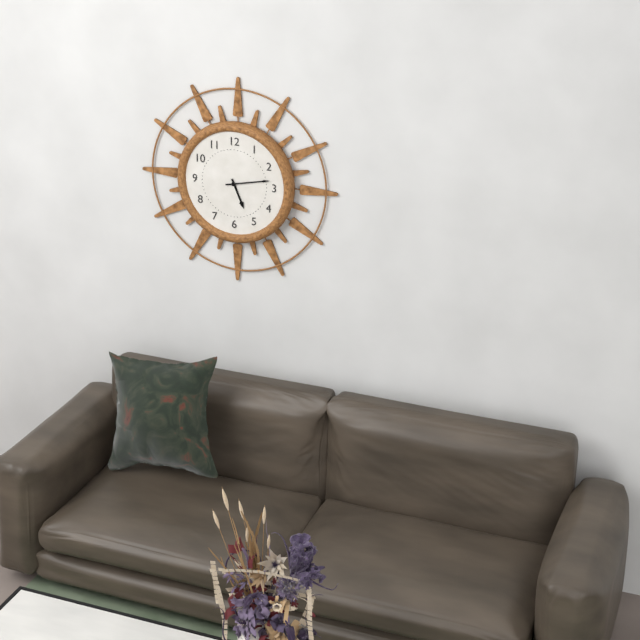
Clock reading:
**5:13**
